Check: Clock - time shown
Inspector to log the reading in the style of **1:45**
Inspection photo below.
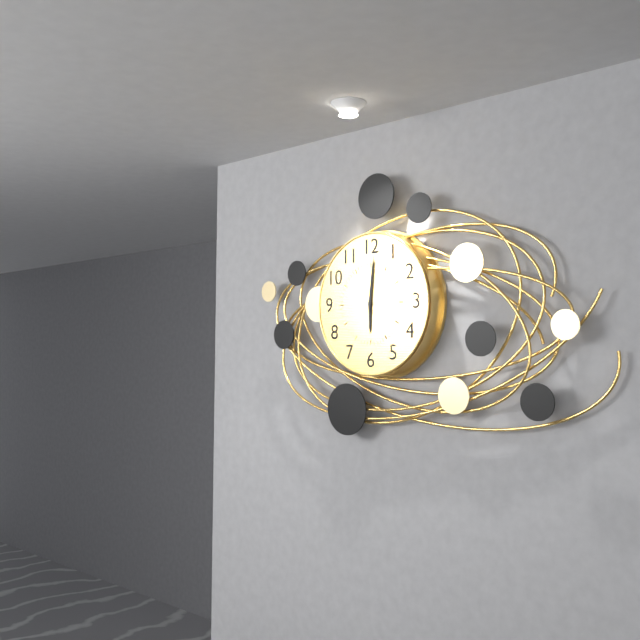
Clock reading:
**6:01**
